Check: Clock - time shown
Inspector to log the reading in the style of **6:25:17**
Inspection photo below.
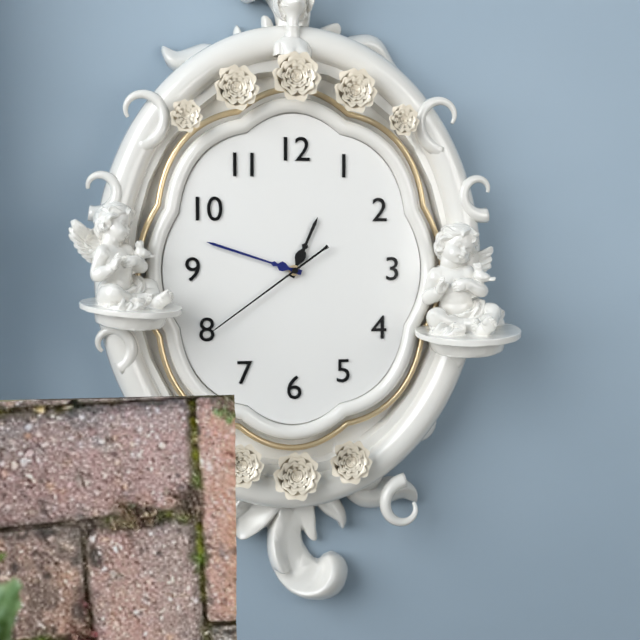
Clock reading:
**12:48:39**
